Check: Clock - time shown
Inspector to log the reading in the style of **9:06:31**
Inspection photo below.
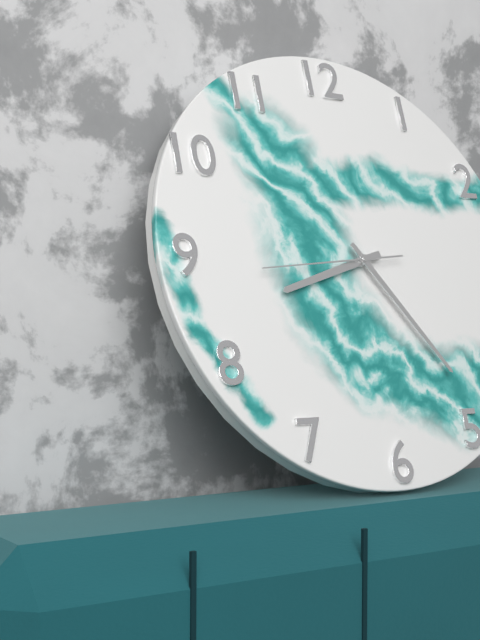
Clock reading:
**8:24:44**
